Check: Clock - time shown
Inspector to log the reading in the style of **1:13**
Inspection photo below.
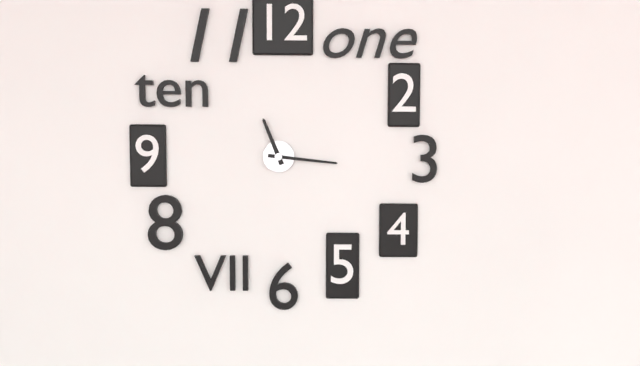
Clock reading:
**11:16**
